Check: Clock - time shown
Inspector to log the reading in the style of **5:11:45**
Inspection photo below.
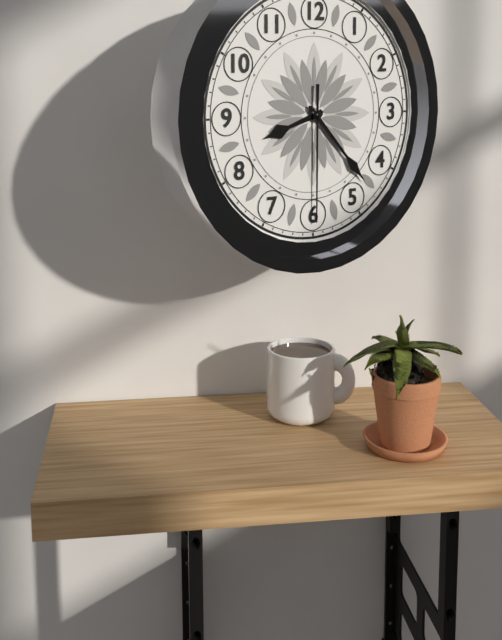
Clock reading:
**8:23:30**
